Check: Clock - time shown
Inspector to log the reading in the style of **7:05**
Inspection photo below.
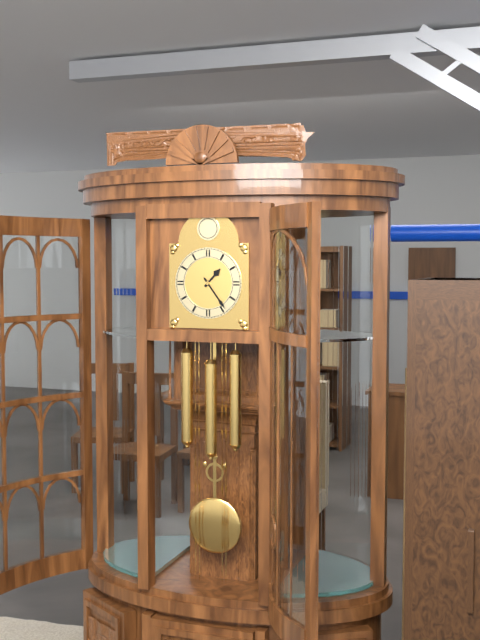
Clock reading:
**1:24**
